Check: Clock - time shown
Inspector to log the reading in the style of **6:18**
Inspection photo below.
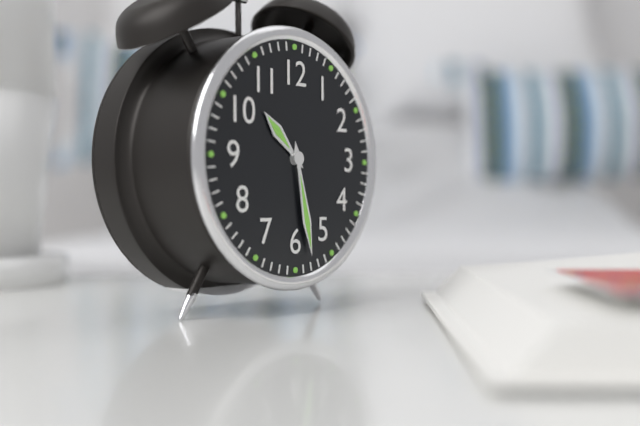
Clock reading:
**10:28**
